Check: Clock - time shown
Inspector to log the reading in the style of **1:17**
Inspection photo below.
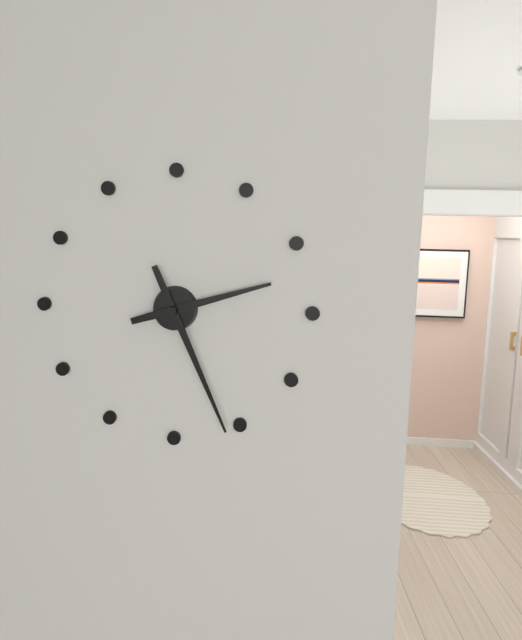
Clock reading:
**2:26**
